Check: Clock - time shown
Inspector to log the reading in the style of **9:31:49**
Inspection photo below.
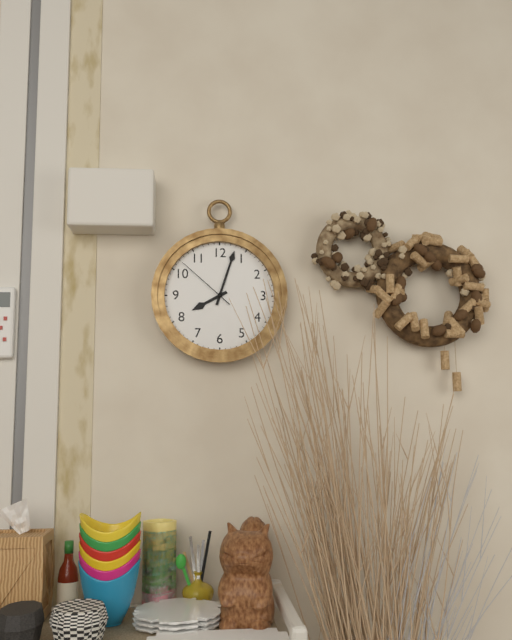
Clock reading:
**8:03:52**
